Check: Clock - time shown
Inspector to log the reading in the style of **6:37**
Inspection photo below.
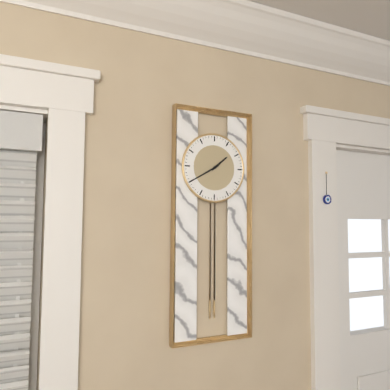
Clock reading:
**1:40**
